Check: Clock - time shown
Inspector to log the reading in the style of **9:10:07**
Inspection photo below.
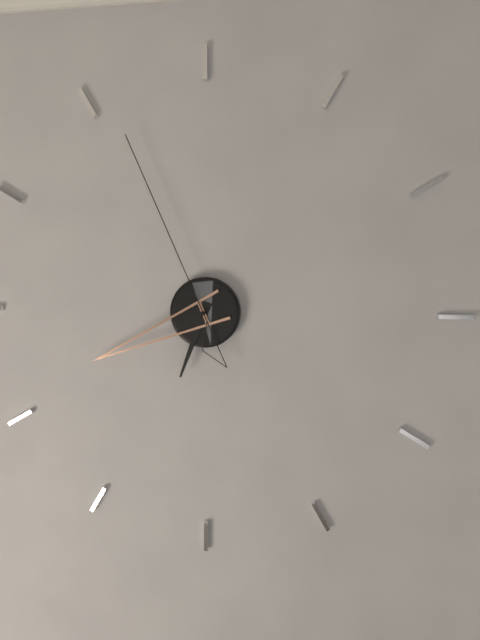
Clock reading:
**6:41:56**
